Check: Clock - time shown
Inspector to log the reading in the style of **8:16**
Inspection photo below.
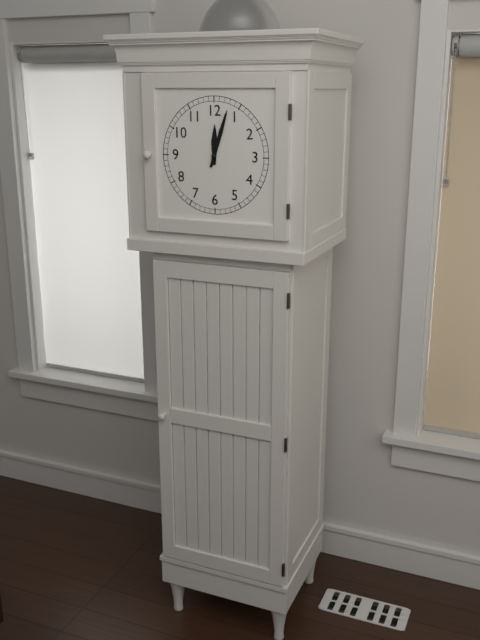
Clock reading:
**12:03**
